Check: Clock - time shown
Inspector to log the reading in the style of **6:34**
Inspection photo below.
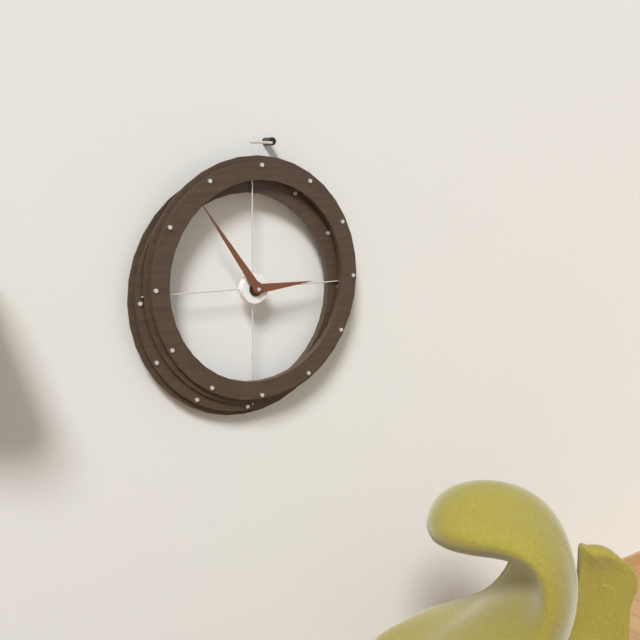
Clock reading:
**2:54**
